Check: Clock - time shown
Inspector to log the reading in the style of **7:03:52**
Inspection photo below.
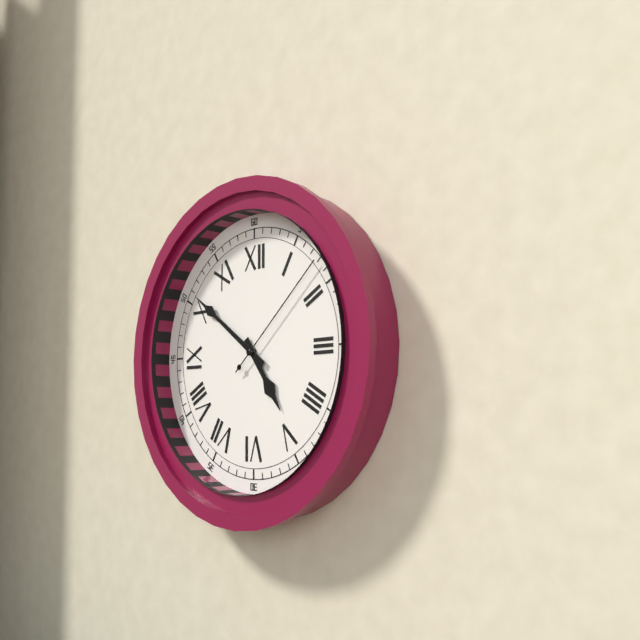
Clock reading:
**4:51:08**
